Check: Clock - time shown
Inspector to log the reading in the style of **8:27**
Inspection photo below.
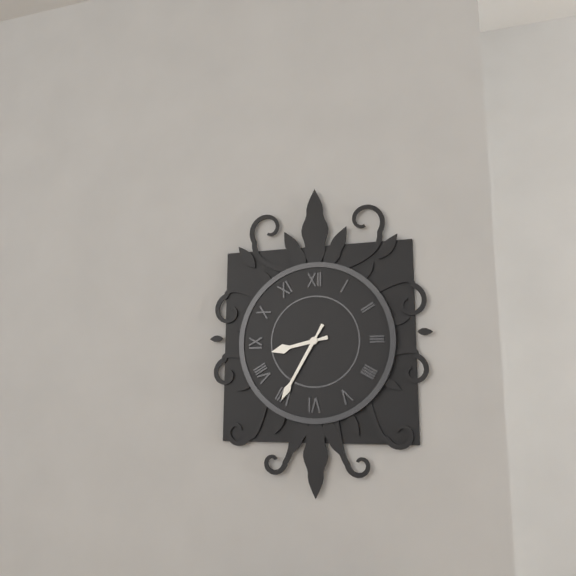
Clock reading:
**8:35**
